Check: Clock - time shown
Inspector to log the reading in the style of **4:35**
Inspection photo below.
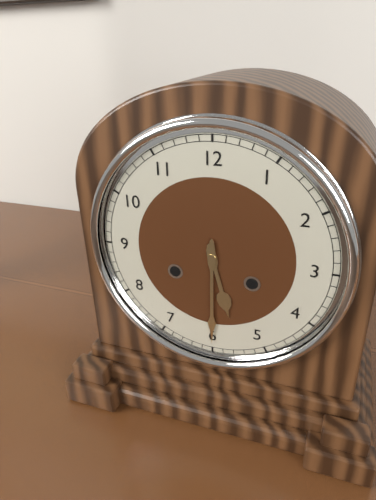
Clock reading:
**5:30**
